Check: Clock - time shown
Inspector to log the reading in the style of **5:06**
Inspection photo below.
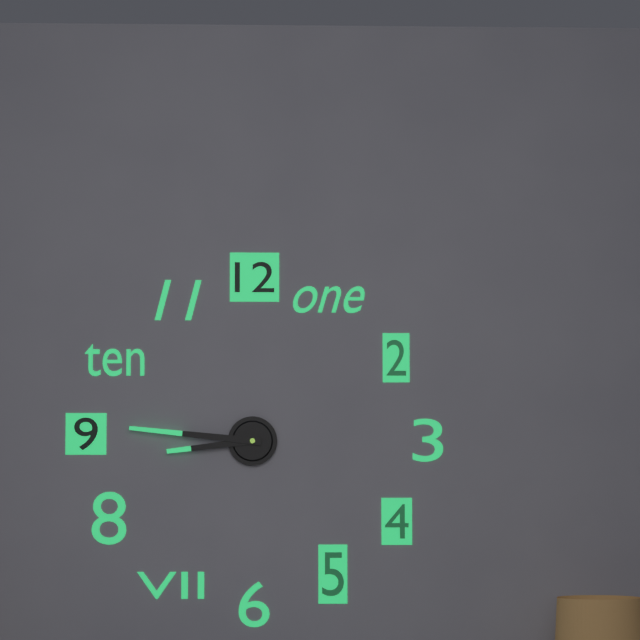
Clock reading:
**8:46**
